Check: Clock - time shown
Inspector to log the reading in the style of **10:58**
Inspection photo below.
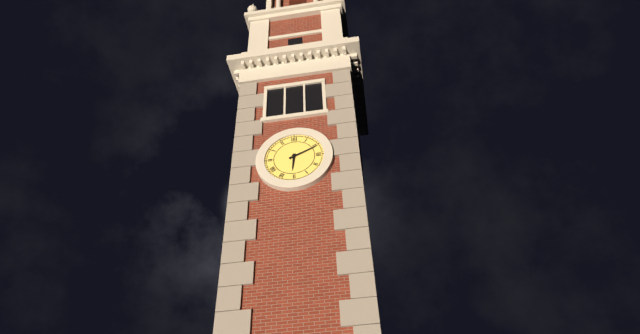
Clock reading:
**6:11**
